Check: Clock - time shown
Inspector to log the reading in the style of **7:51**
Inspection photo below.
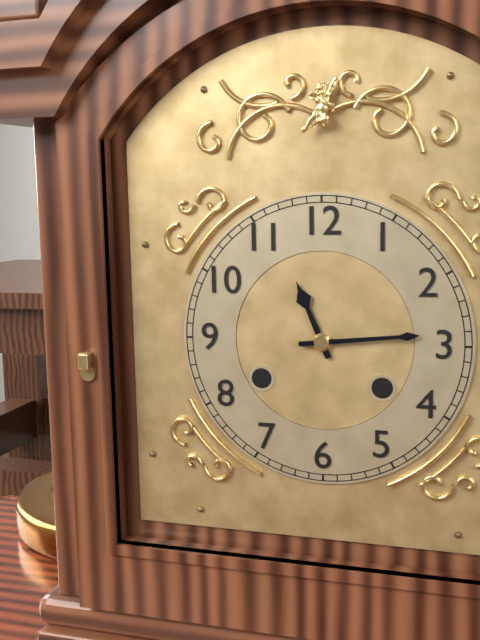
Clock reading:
**11:14**
